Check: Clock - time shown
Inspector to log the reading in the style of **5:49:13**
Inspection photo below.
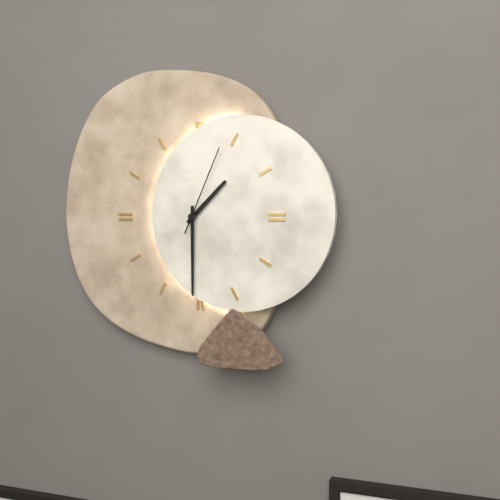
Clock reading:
**1:30:04**
